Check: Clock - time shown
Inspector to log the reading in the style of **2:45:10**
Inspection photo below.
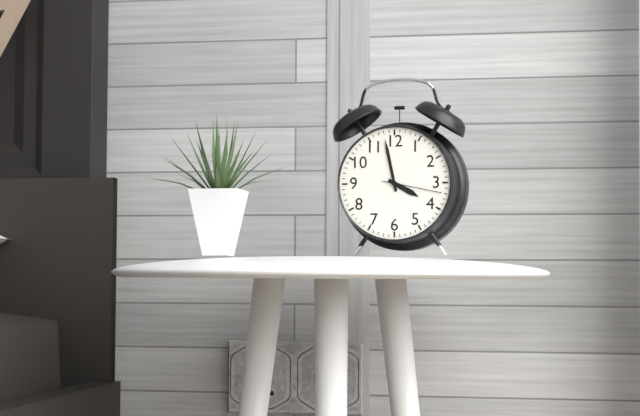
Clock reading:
**3:58:17**
